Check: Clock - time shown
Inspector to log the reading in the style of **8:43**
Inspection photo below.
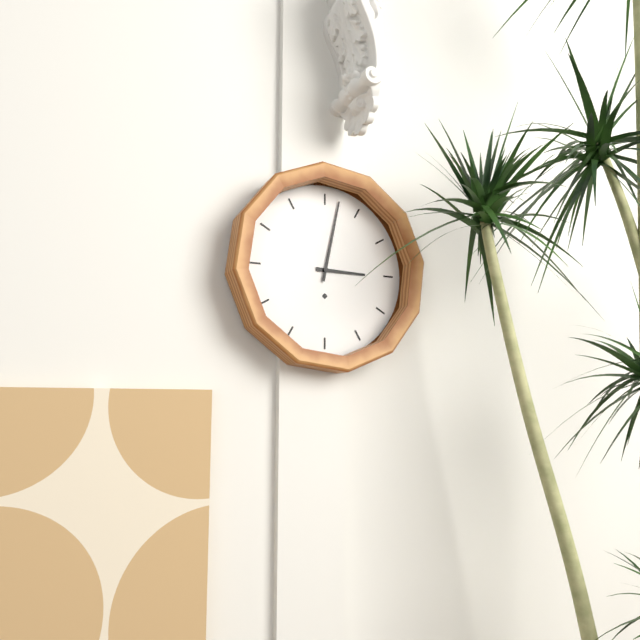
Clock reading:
**3:02**
